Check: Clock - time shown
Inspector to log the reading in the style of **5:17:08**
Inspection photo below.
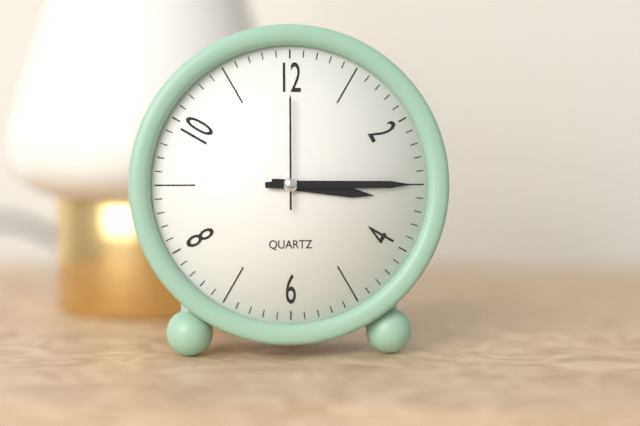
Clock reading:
**3:15:00**
